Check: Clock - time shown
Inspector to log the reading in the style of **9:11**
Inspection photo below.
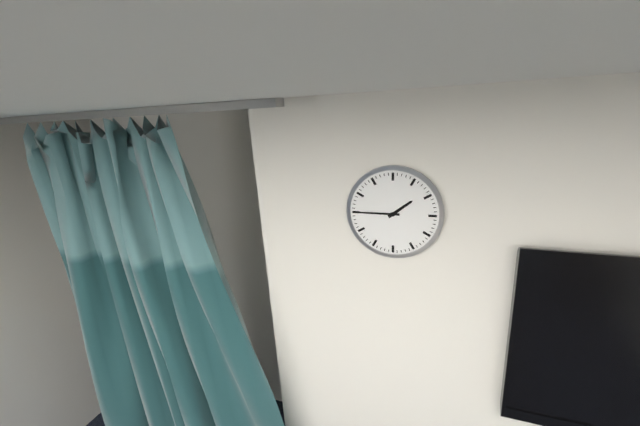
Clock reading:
**1:45**
